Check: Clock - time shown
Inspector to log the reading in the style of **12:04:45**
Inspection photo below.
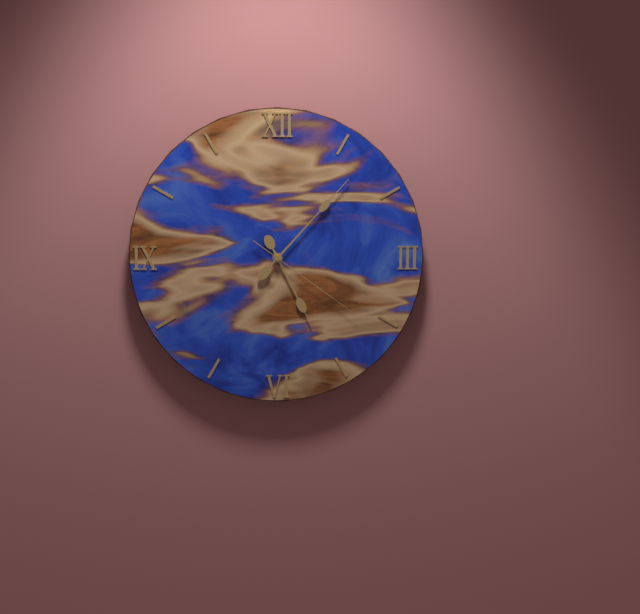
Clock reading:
**5:07:21**
